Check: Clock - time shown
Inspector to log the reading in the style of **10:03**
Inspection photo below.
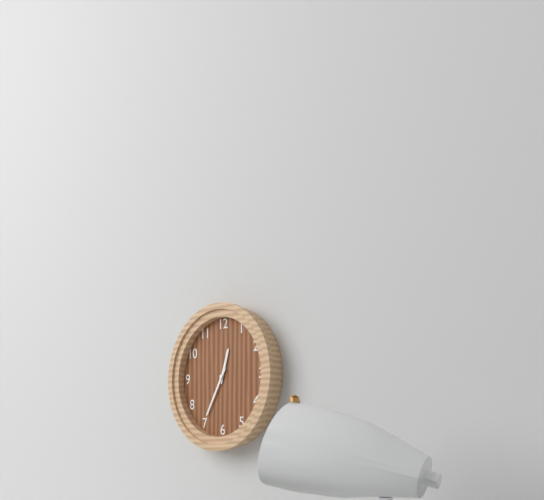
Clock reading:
**12:35**
